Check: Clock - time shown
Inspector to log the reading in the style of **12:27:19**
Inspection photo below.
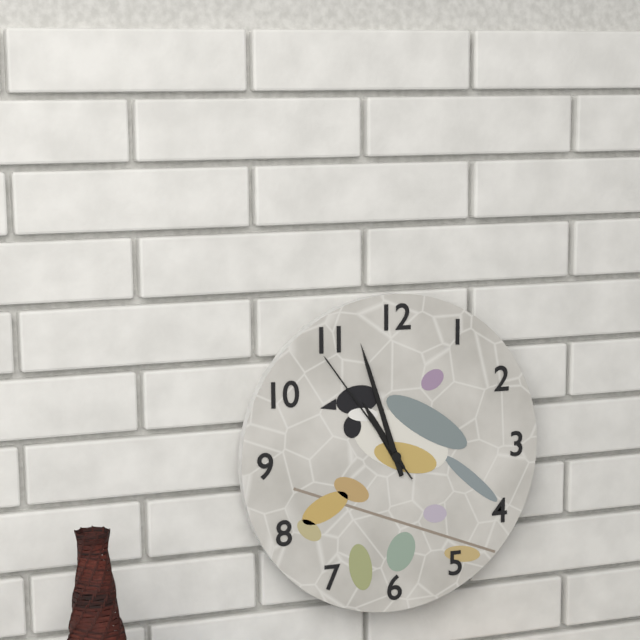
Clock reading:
**10:57:54**
